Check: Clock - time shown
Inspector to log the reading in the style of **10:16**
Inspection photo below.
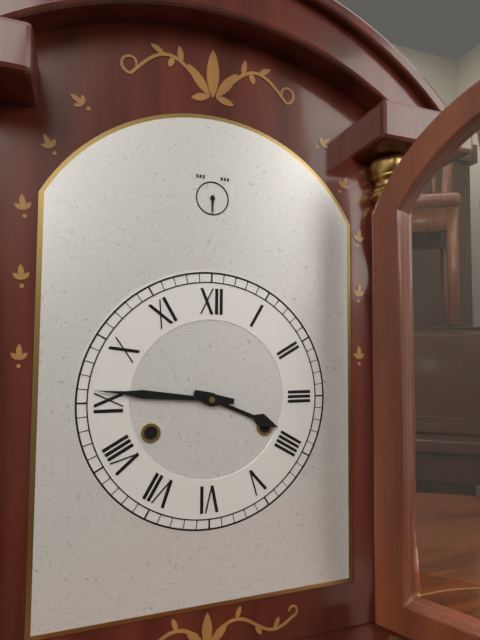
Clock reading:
**3:46**
